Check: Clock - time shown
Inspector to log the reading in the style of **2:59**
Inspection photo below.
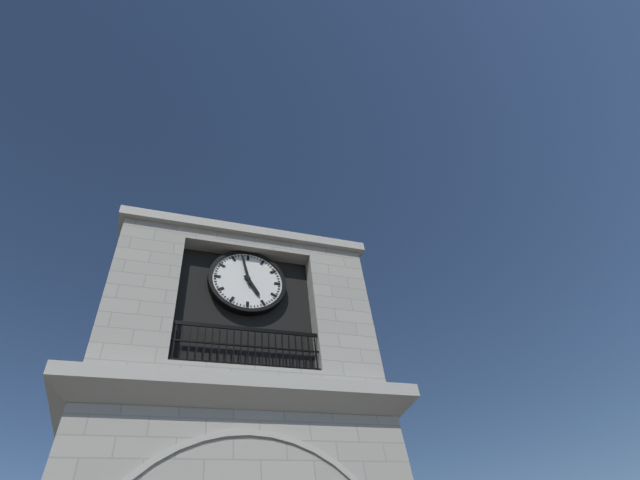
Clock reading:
**4:58**
